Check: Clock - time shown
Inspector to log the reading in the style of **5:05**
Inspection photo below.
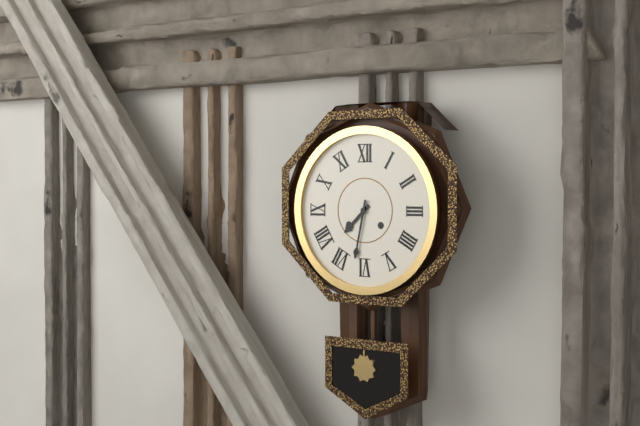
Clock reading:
**7:32**
